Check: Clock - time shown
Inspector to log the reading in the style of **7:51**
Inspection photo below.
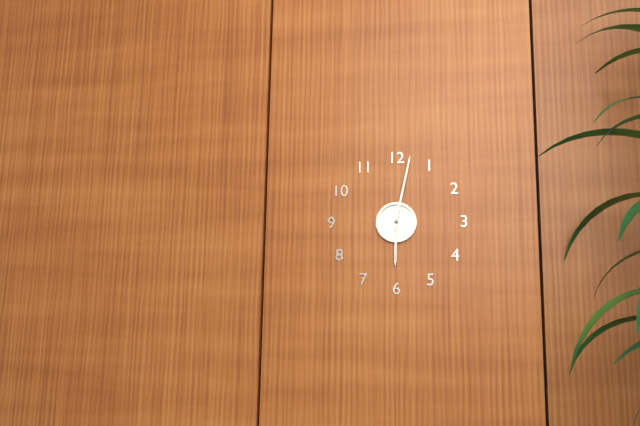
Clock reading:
**6:02**
